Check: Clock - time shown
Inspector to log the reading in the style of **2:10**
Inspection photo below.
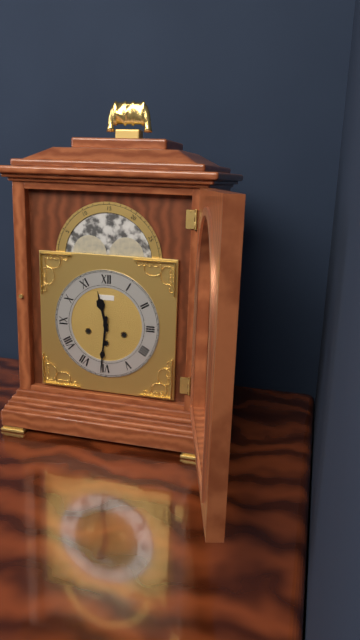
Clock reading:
**11:31**
